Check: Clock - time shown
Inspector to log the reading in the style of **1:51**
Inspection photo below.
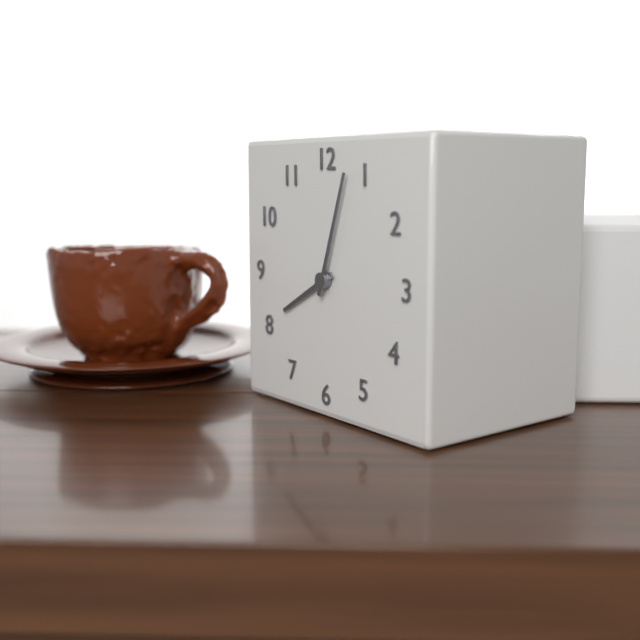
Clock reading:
**8:03**
